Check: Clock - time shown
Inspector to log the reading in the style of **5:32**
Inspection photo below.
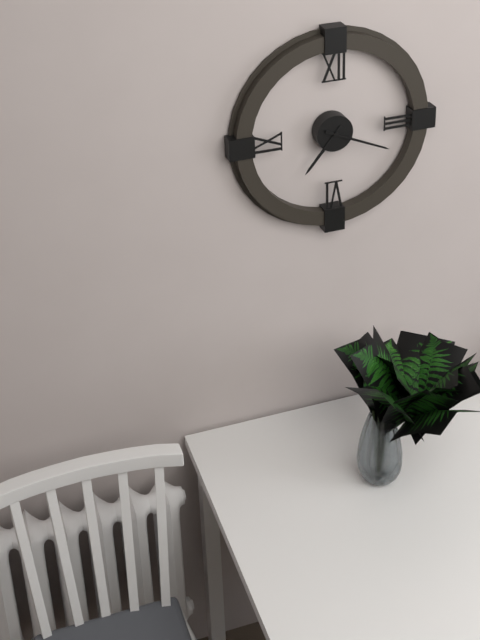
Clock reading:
**7:19**
